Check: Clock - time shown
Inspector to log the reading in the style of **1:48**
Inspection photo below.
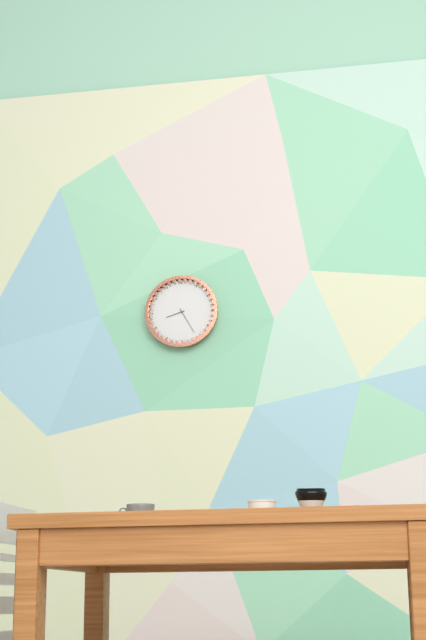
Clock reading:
**8:25**
